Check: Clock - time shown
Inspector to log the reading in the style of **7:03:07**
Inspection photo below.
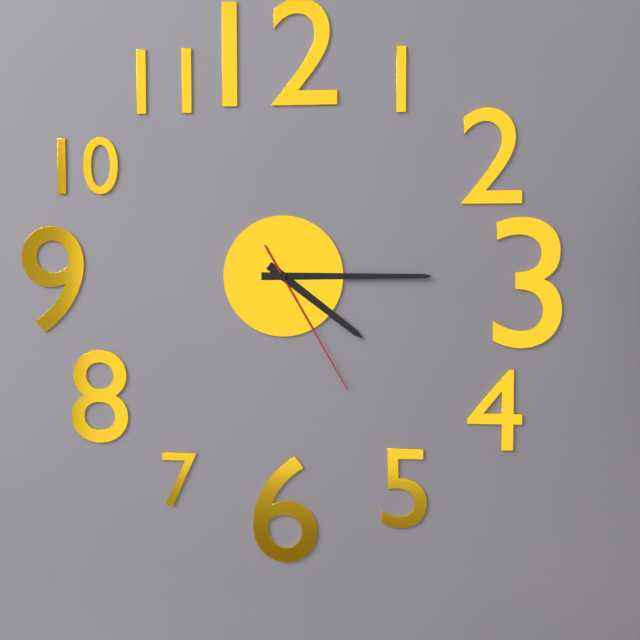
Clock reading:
**4:15:25**
